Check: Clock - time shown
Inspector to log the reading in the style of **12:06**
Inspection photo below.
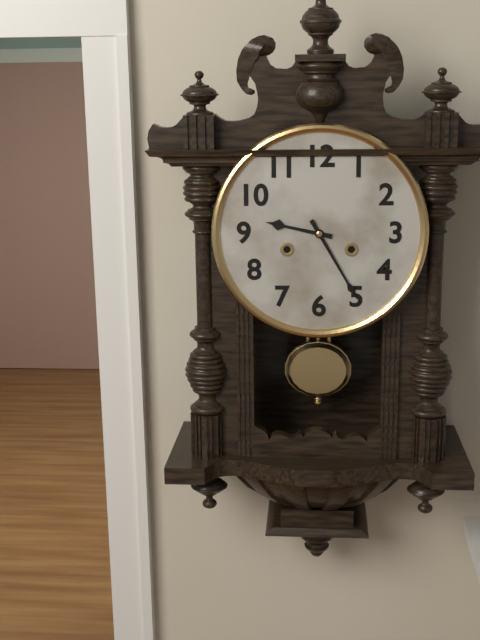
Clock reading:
**9:25**
